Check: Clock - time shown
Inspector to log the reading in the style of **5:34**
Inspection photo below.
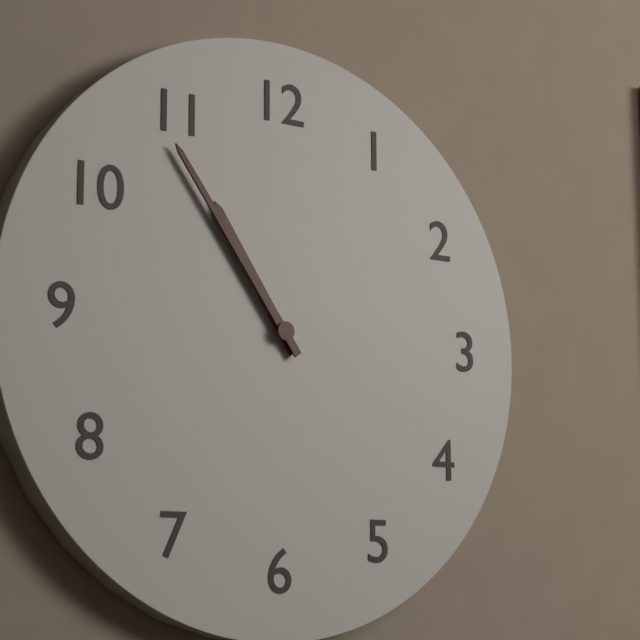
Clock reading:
**10:54**
